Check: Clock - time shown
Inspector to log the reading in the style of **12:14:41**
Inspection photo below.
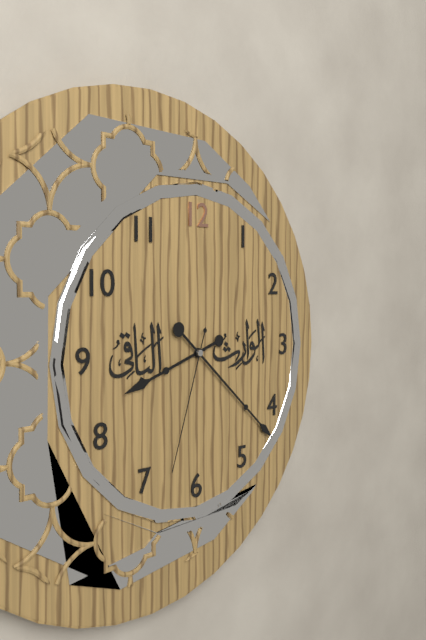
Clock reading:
**8:22:33**
